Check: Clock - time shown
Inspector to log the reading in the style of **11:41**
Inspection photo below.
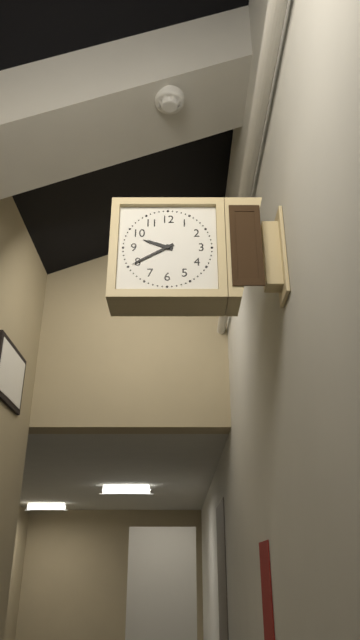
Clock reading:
**9:40**
